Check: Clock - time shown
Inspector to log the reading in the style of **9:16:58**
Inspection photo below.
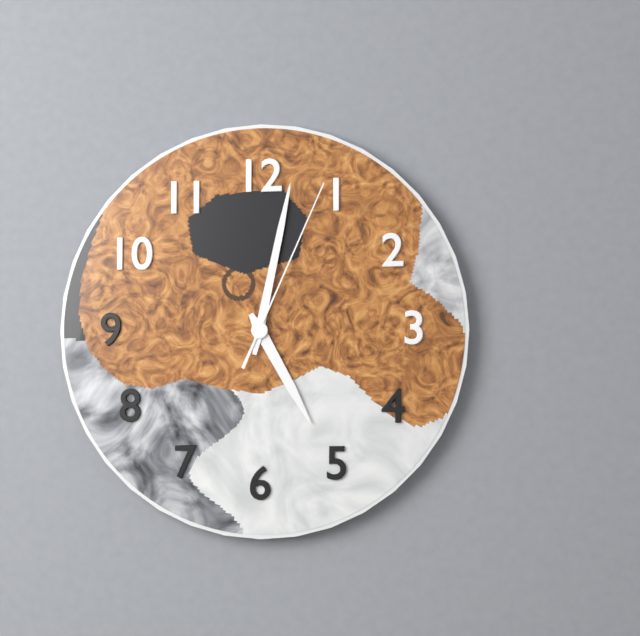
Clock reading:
**5:02:04**
